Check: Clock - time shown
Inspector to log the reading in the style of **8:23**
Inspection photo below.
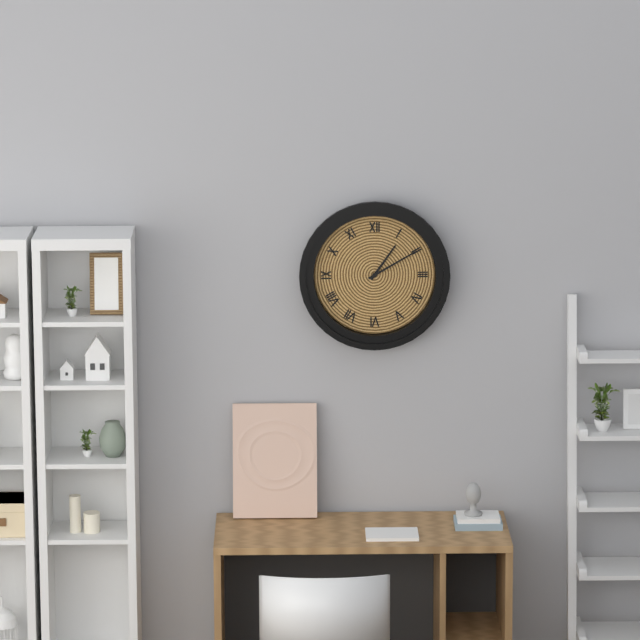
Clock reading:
**1:10**
